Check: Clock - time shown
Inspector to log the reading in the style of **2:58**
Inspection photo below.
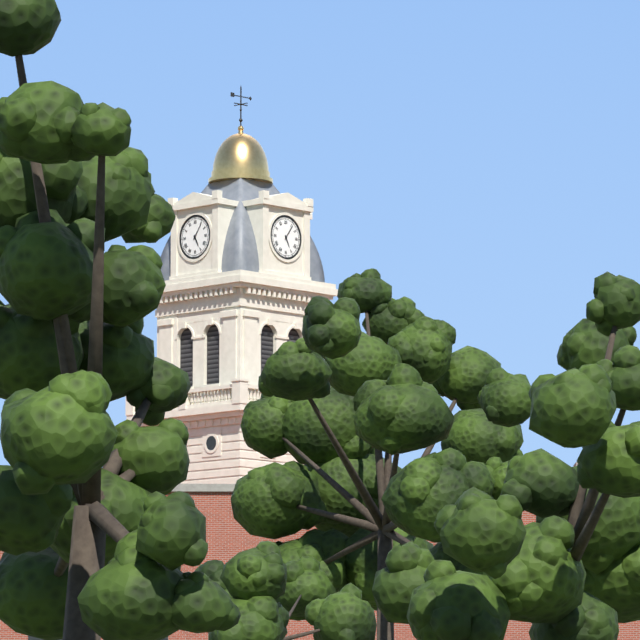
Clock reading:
**5:06**
